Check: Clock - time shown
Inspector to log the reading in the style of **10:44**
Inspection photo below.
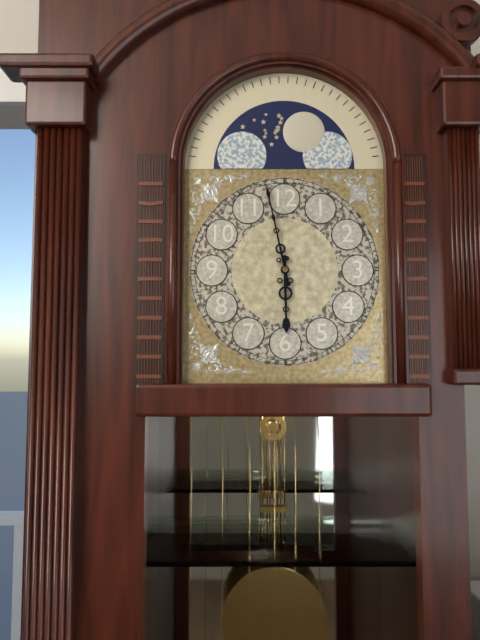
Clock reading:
**5:58**
